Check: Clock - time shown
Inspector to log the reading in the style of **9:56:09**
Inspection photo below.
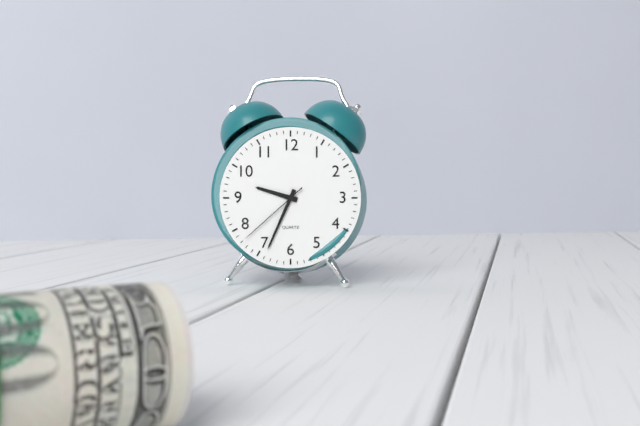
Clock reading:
**9:34:38**
